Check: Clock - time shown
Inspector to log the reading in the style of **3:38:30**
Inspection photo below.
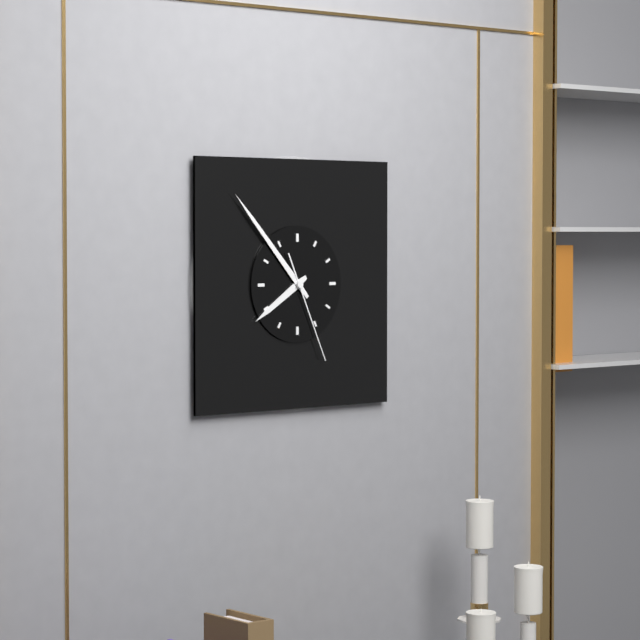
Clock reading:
**7:53:26**
